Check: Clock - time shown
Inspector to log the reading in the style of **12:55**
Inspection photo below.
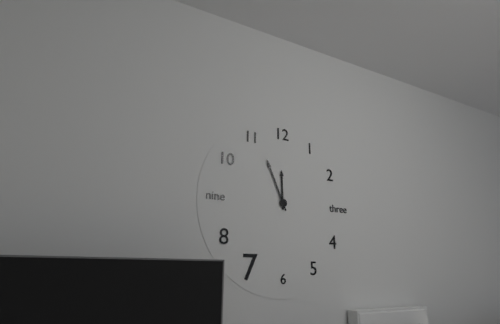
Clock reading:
**11:56**
